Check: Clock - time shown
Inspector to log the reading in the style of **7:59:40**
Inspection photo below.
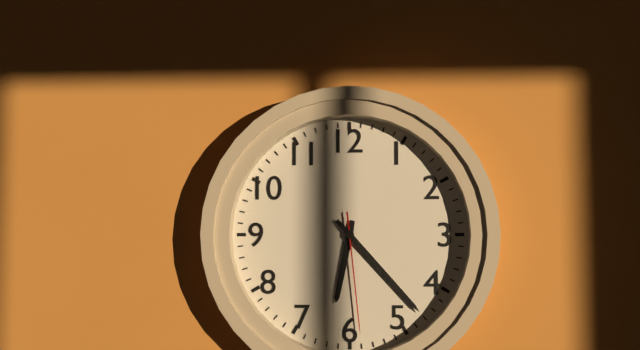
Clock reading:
**6:23:29**
